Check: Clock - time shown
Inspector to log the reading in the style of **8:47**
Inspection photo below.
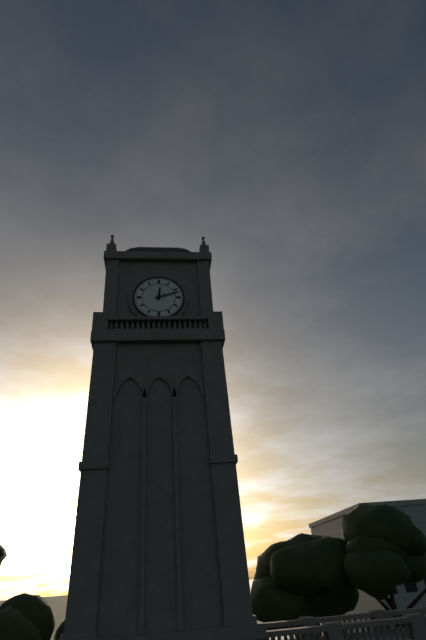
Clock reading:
**12:12**
